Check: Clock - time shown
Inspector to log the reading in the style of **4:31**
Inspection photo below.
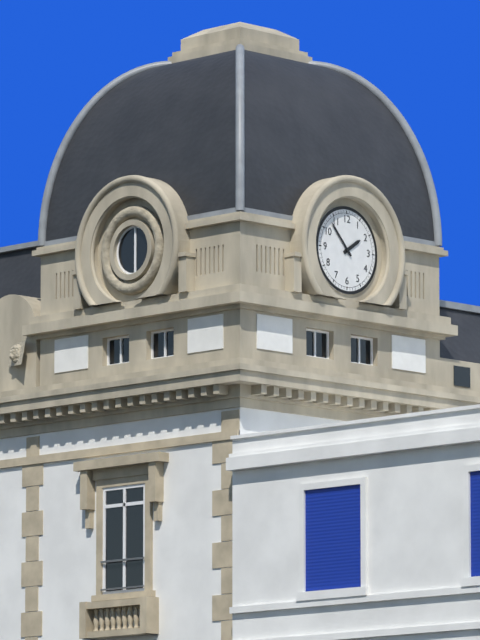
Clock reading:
**1:53**
